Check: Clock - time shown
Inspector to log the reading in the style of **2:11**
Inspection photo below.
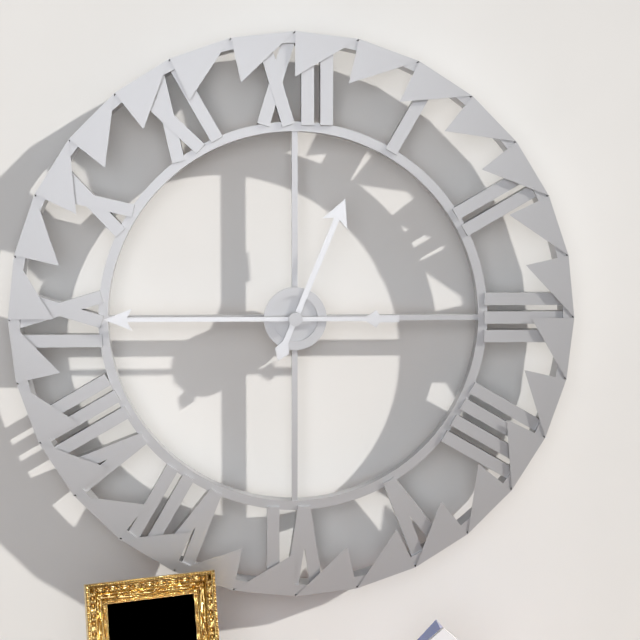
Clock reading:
**12:45**
